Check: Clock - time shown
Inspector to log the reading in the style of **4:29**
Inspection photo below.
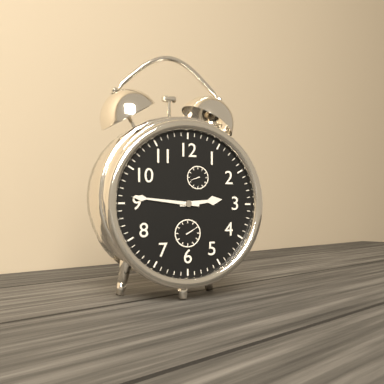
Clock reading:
**2:46**
